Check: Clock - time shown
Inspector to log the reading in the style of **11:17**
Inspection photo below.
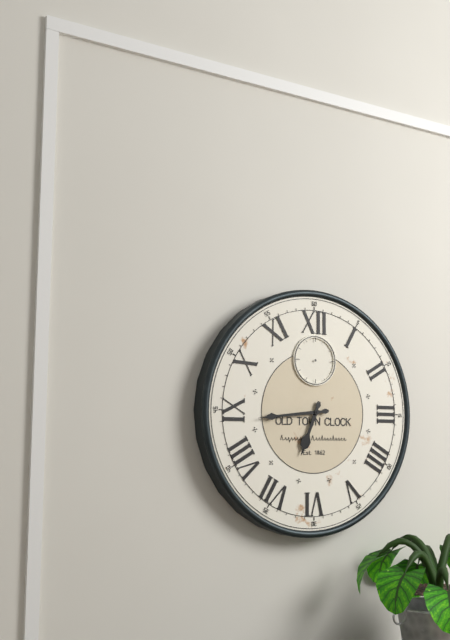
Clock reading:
**6:44**
